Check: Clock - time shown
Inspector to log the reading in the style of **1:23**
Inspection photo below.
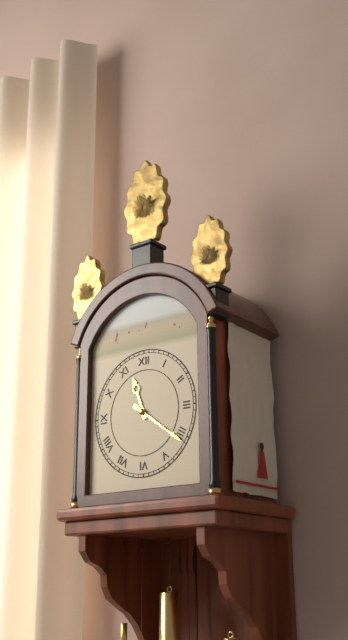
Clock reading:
**11:21**
